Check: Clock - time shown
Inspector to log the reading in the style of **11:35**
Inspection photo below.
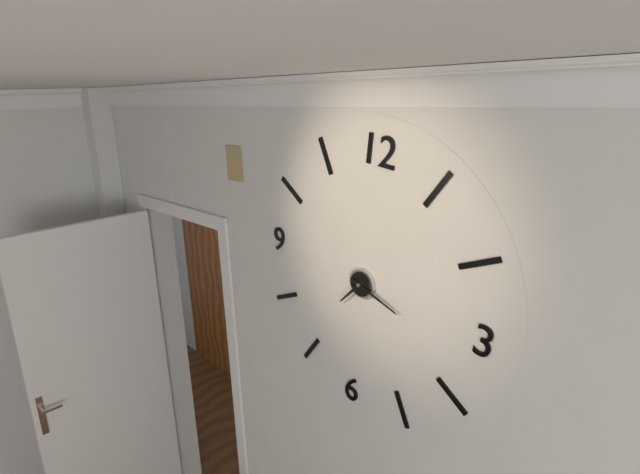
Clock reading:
**7:17**
